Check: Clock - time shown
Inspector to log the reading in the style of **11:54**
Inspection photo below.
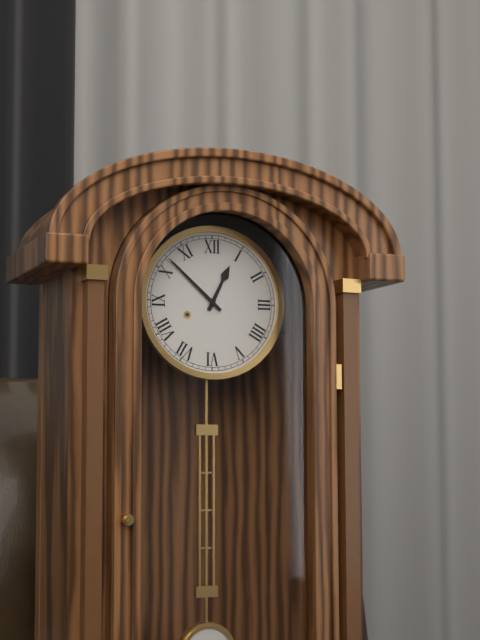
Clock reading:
**12:52**
